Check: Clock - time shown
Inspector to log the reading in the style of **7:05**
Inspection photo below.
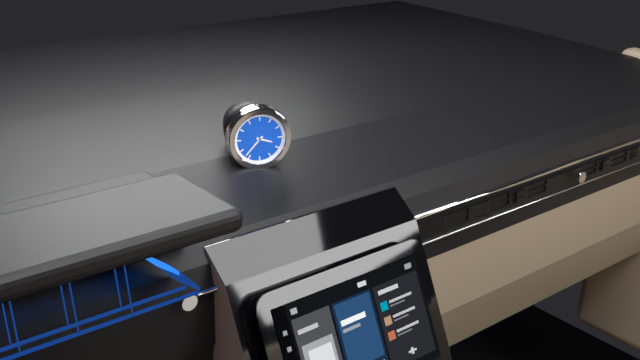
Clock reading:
**3:37**
